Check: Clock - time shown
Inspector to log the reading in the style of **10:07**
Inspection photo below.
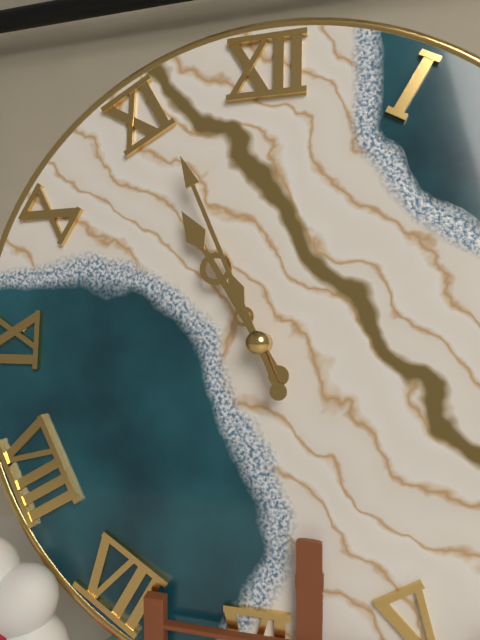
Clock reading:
**10:56**
